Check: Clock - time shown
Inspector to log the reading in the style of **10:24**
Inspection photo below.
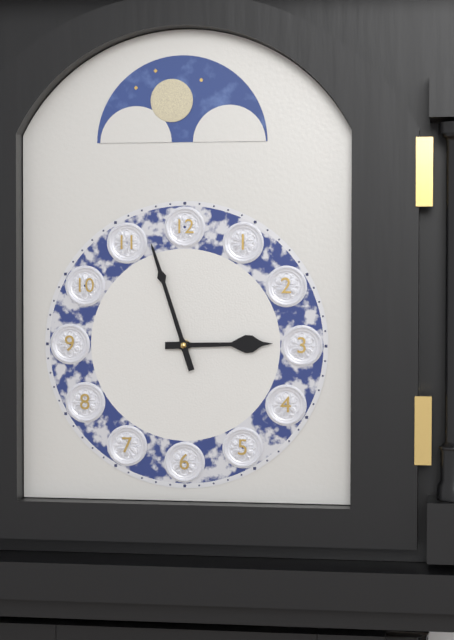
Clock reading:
**2:57**
